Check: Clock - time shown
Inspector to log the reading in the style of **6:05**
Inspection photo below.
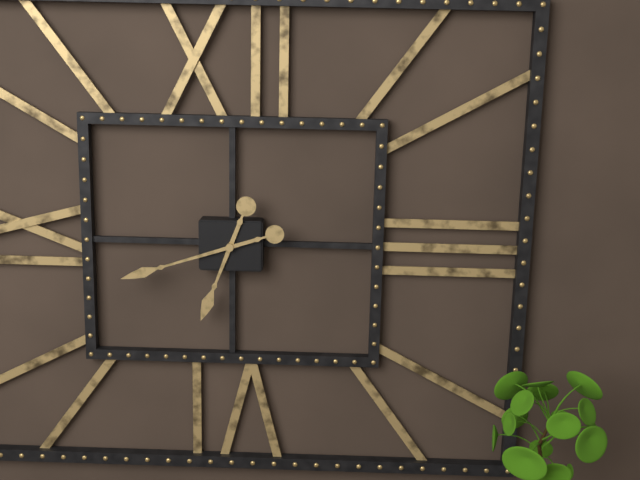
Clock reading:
**6:42**
